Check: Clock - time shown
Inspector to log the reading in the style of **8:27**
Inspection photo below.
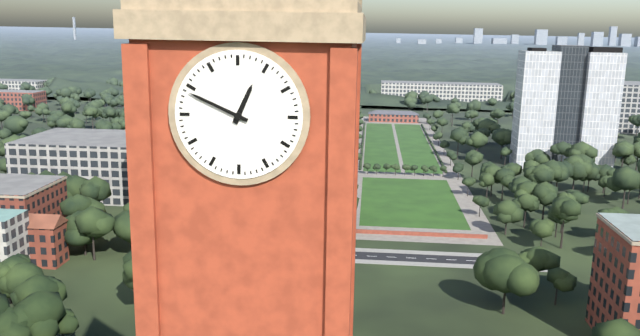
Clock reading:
**12:49**
